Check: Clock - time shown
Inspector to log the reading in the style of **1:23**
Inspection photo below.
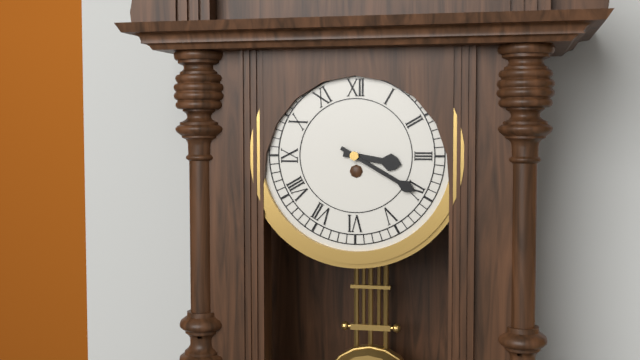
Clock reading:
**3:20**
